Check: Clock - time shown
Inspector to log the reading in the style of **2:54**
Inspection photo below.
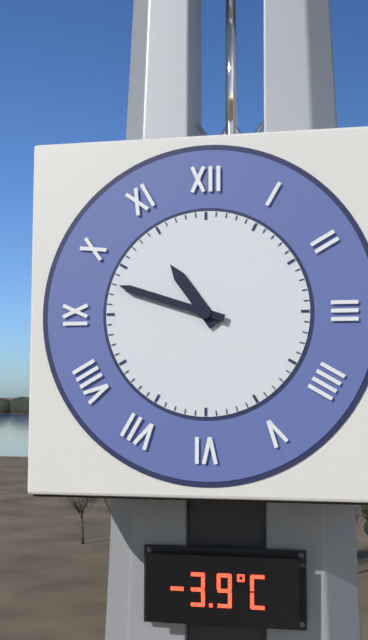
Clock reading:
**10:48**
